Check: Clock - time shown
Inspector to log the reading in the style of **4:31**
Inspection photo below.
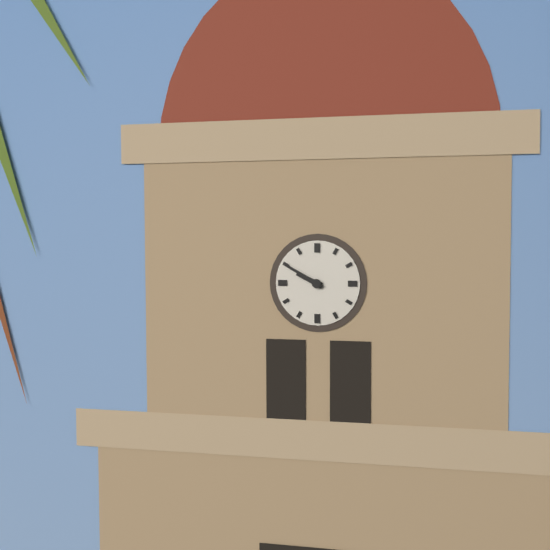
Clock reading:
**9:50**
